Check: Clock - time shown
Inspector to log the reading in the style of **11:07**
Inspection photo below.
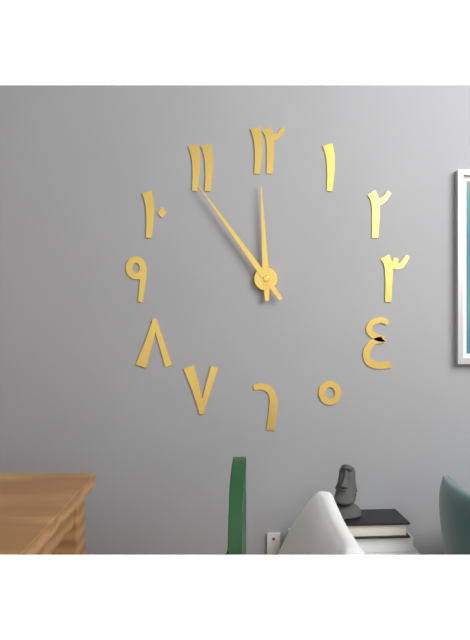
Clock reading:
**11:54**
